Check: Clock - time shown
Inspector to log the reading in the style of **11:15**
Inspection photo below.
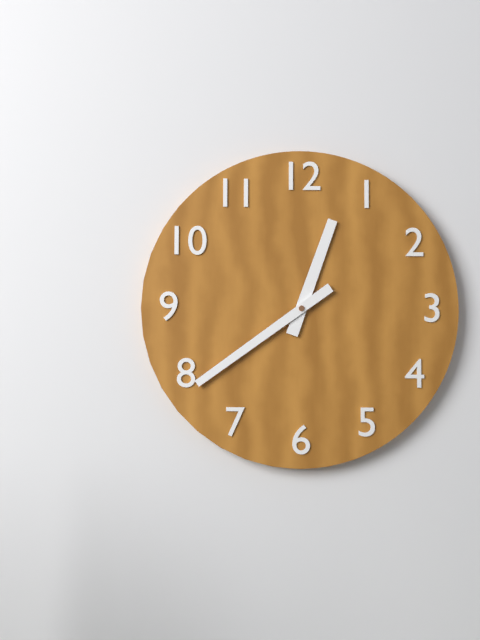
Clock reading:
**12:39**
